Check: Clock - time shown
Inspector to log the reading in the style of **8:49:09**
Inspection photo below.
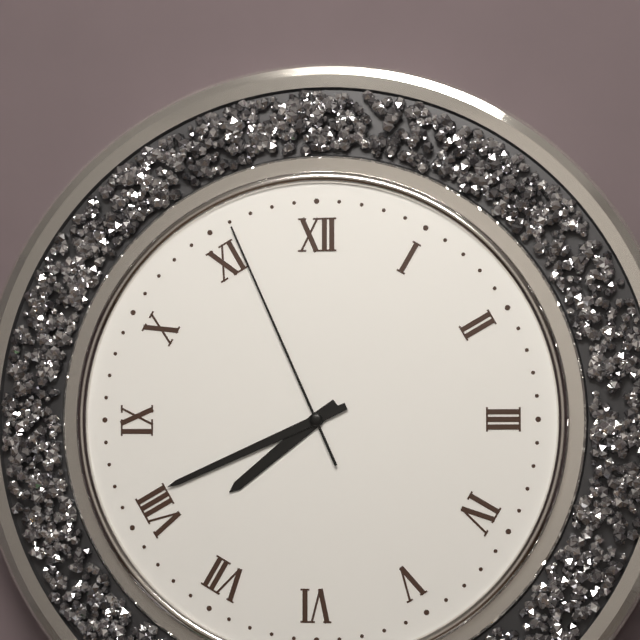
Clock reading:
**7:41:56**
